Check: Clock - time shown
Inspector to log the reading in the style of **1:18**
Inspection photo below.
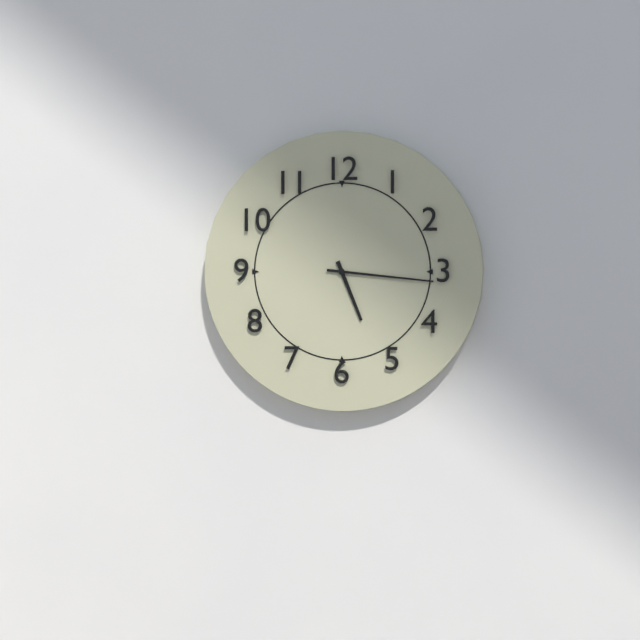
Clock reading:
**5:16**
